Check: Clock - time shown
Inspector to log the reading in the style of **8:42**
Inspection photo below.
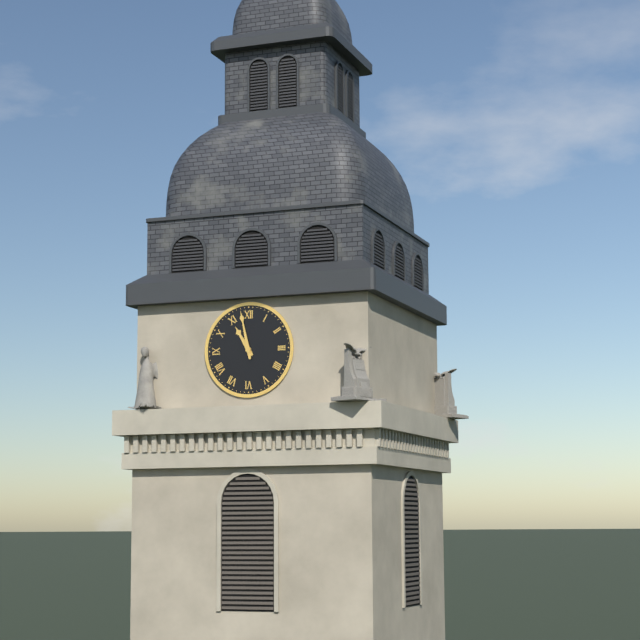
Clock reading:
**10:58**
